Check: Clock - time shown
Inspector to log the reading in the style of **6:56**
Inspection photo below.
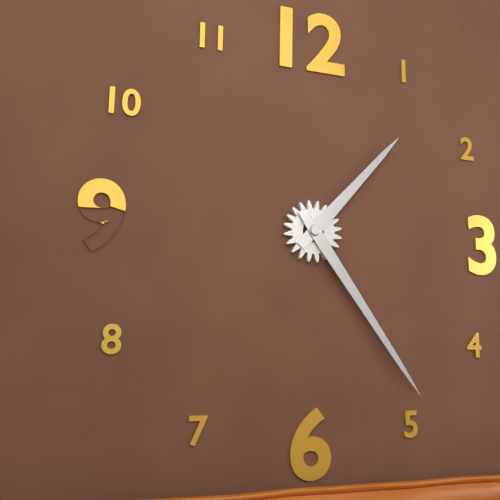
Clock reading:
**1:24**
